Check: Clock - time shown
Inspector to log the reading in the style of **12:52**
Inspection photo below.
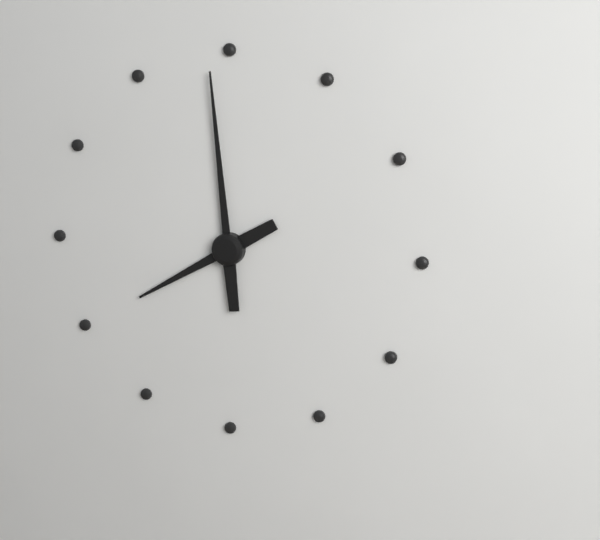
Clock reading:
**7:59**
